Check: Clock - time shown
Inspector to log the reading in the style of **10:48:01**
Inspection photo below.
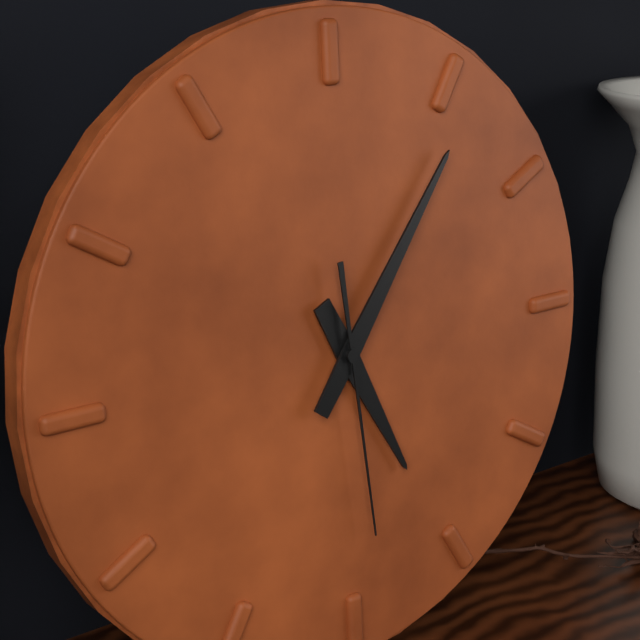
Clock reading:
**5:06:29**
